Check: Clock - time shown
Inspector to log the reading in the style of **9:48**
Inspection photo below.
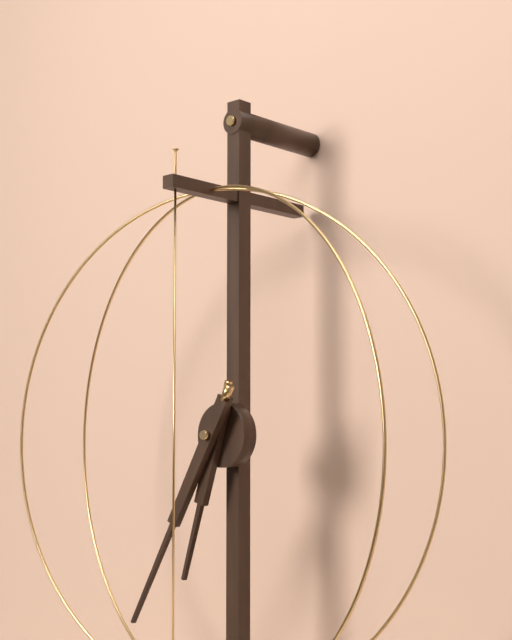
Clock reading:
**6:35**
